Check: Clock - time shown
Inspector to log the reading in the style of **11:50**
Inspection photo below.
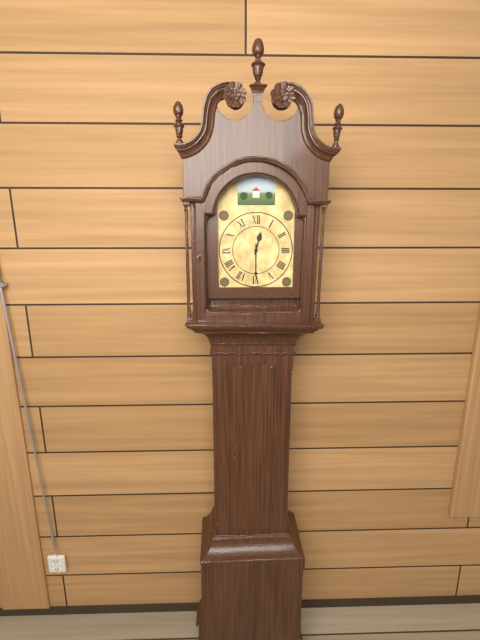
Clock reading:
**12:30**
